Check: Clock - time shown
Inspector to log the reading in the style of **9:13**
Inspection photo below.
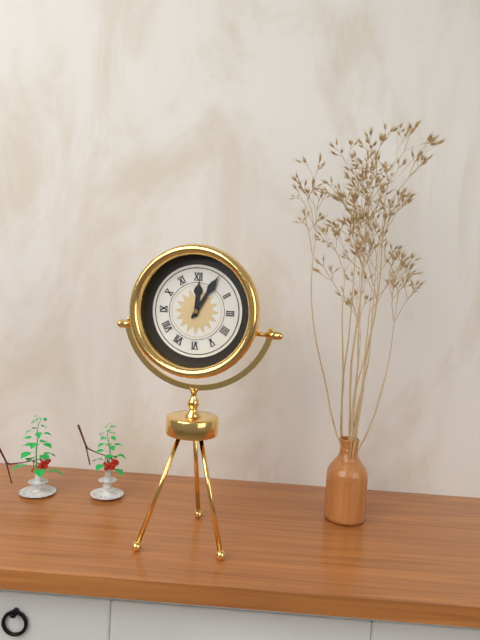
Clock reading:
**12:05**
